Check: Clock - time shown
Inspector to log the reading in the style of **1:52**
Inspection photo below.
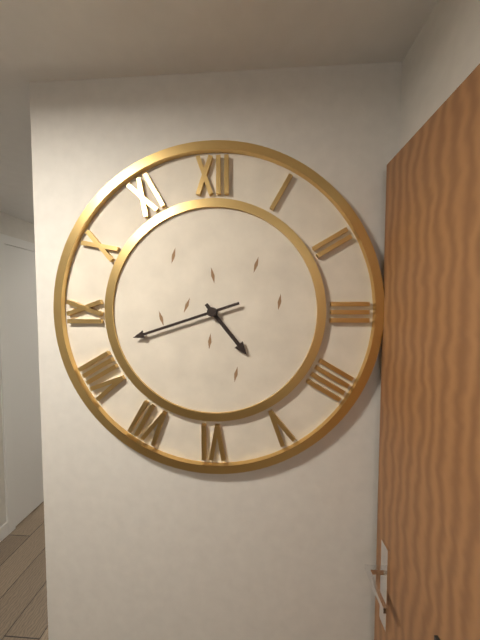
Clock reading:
**4:42**
